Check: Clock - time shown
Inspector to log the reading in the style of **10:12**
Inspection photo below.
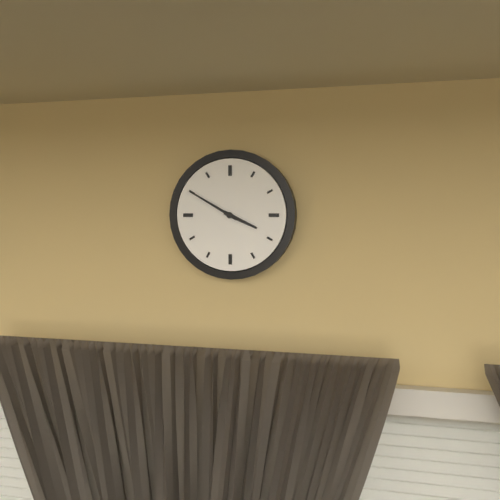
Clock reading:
**3:50**
